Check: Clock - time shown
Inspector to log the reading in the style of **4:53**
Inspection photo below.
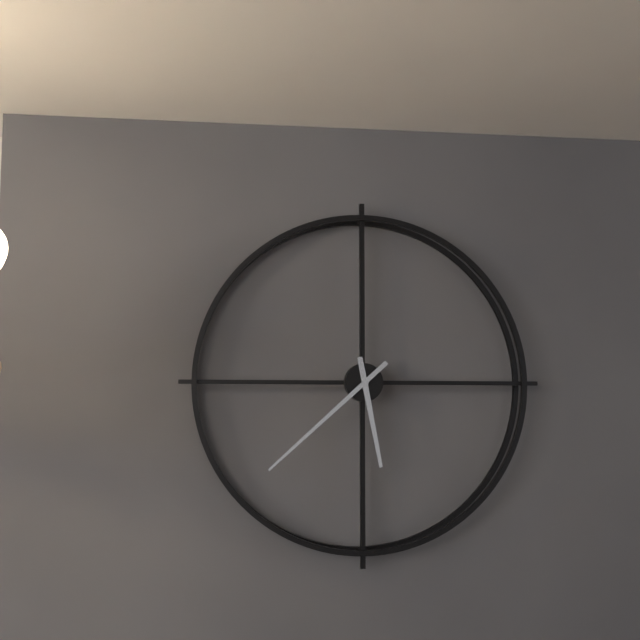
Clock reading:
**5:38**
